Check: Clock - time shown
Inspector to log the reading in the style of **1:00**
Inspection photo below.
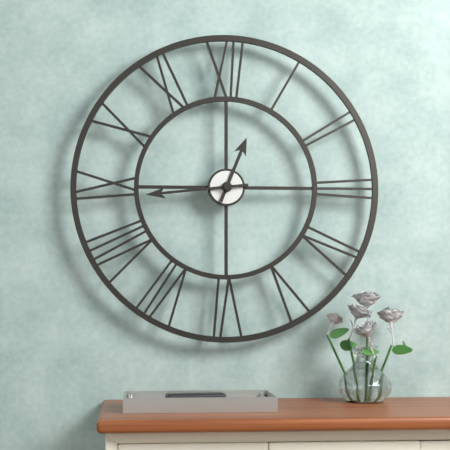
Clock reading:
**12:44**
